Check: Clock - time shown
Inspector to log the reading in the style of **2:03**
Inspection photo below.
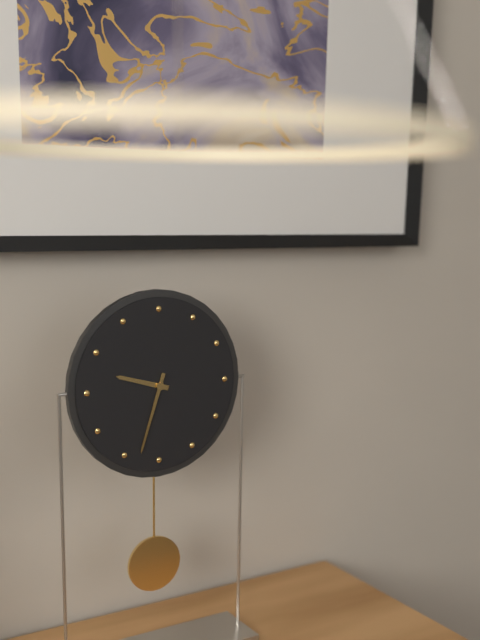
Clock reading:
**9:33**
